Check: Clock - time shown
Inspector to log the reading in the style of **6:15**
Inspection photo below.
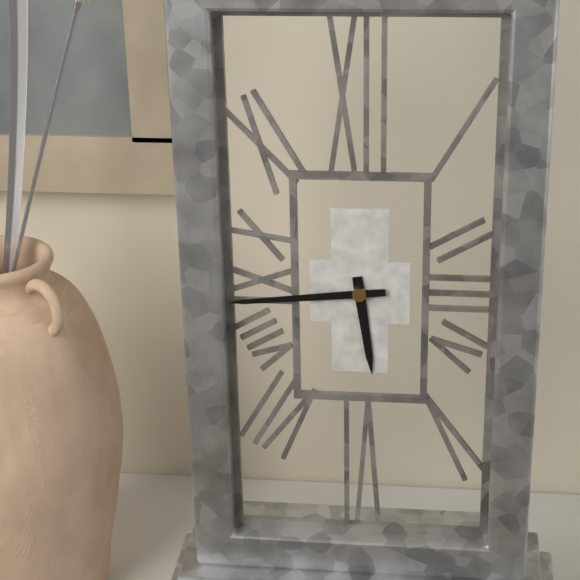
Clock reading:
**5:44**
